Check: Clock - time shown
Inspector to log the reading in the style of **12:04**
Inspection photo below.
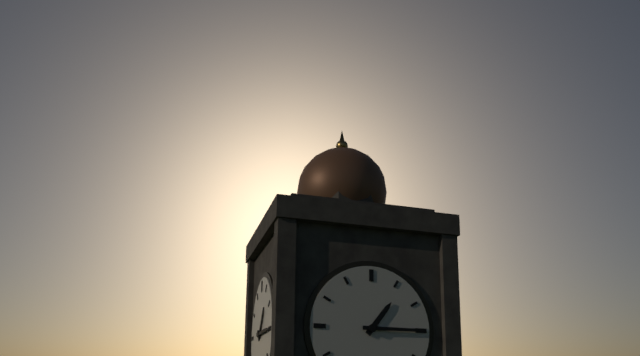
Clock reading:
**1:15**
